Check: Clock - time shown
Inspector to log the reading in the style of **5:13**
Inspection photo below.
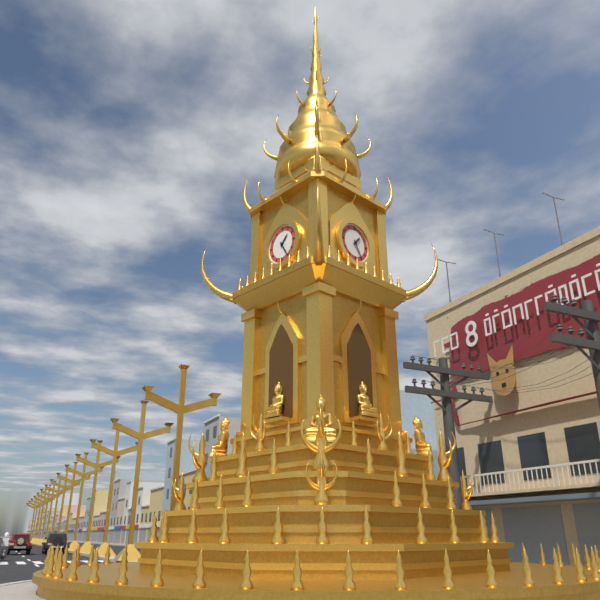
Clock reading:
**1:25**
